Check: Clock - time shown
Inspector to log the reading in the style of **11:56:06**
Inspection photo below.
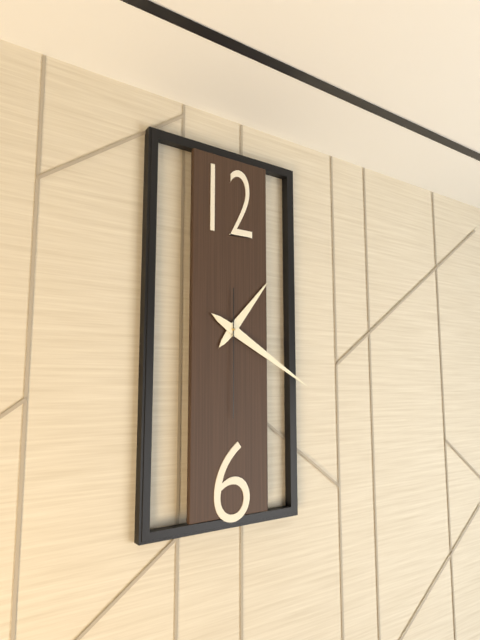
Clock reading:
**1:20:30**
